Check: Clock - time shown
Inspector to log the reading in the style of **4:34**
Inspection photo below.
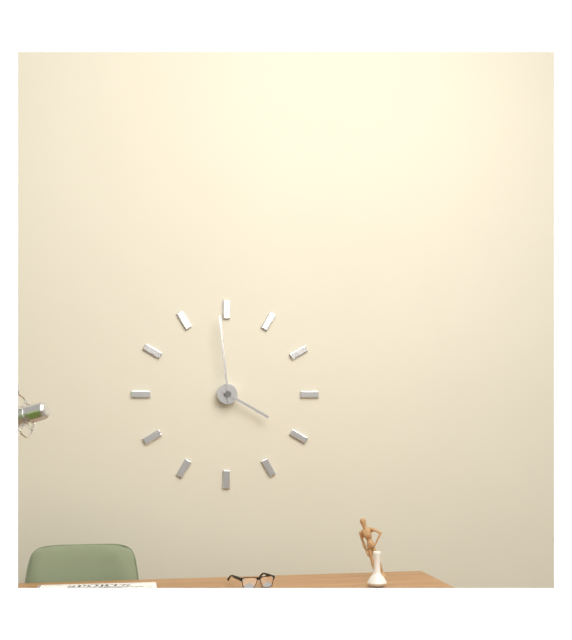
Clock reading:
**3:59**
